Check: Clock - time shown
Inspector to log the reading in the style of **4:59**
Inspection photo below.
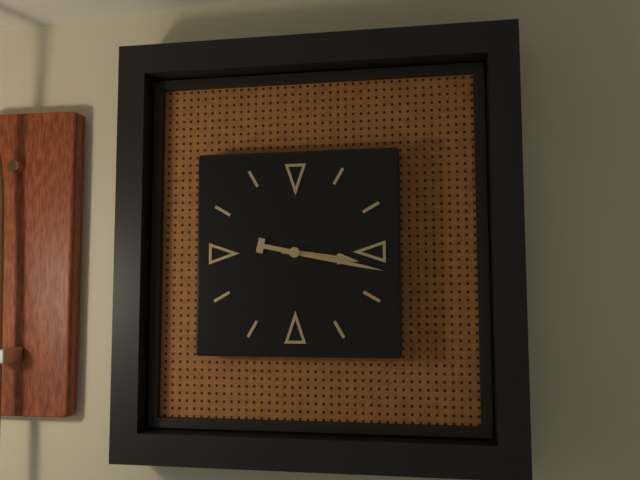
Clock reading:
**3:17**
